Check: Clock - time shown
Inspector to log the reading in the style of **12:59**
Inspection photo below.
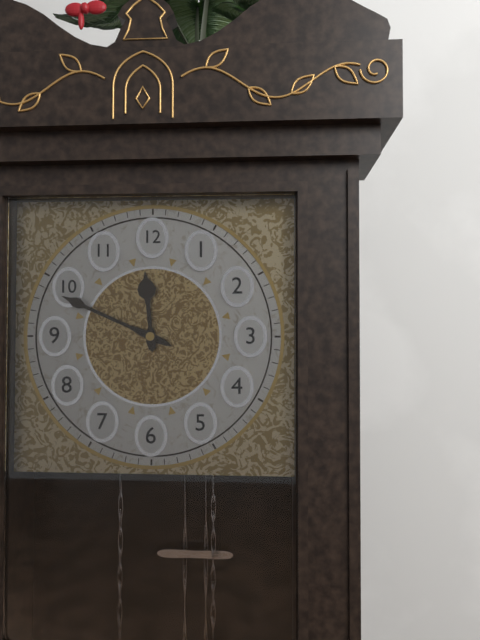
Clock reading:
**11:49**
